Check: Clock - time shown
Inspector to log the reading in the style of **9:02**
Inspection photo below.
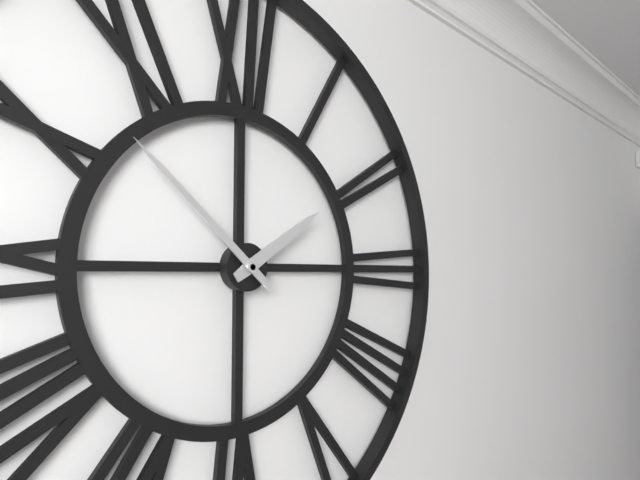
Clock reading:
**1:52**
